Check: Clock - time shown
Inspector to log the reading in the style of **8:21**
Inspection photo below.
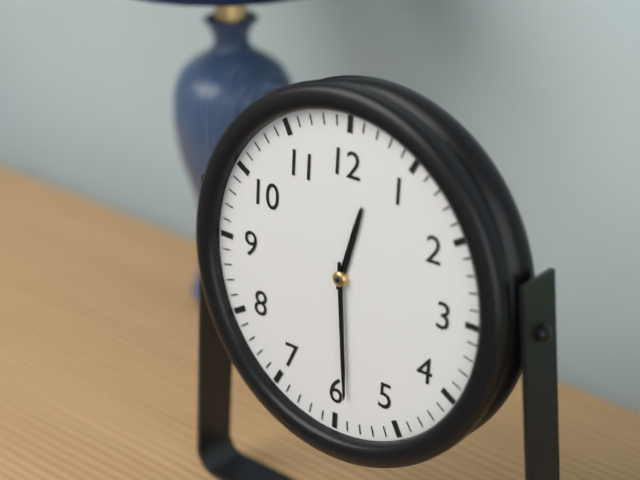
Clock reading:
**12:29**
